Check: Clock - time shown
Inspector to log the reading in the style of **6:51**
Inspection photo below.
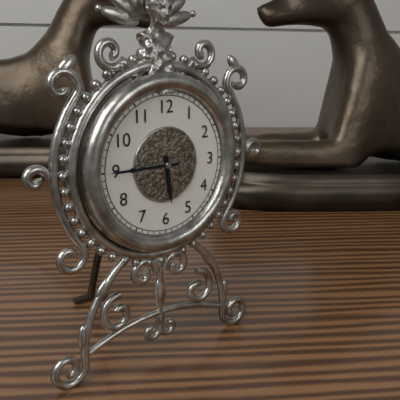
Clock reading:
**5:45**
